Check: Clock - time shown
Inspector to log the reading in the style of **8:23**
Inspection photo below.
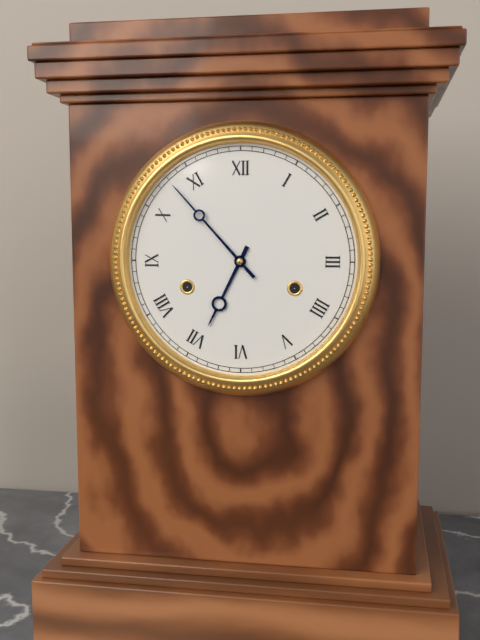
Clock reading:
**6:53**
